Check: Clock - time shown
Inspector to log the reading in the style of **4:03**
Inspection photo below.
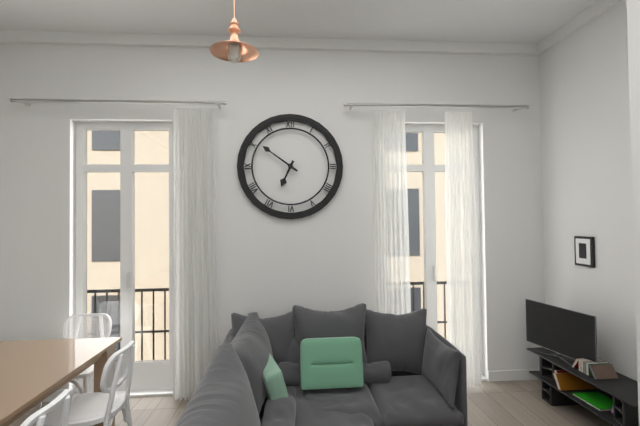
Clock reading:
**6:51**
